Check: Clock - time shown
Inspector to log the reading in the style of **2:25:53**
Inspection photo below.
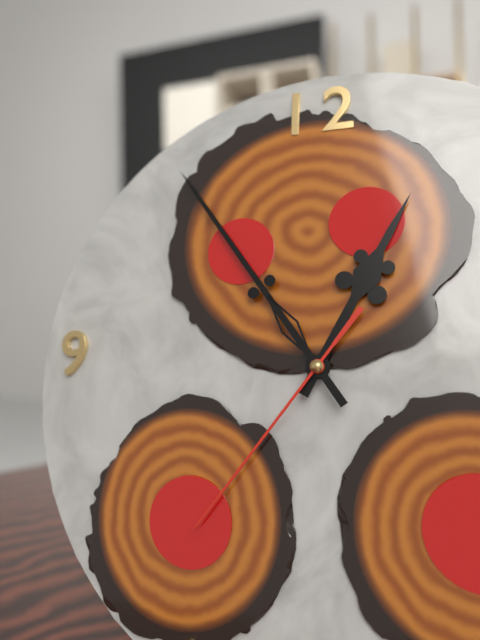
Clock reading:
**12:54:36**
